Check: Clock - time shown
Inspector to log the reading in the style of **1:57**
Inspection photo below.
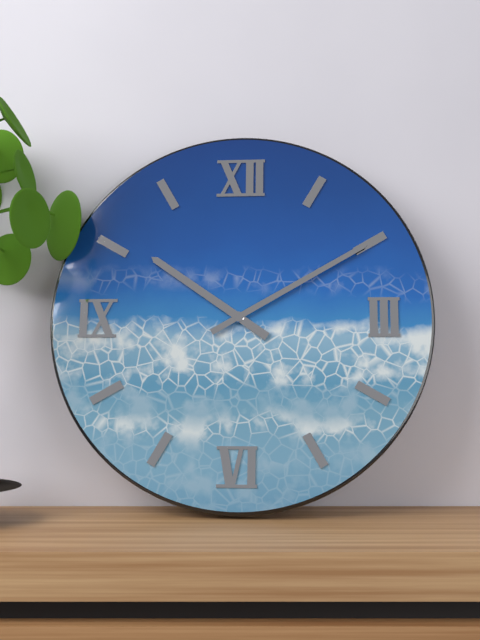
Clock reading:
**10:10**
